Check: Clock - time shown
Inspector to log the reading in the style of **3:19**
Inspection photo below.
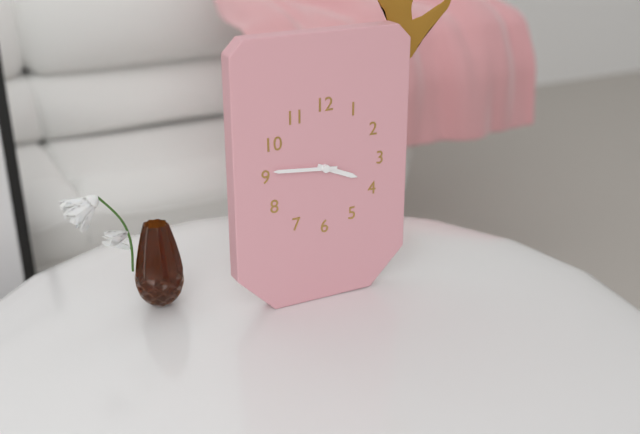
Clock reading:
**3:46**
